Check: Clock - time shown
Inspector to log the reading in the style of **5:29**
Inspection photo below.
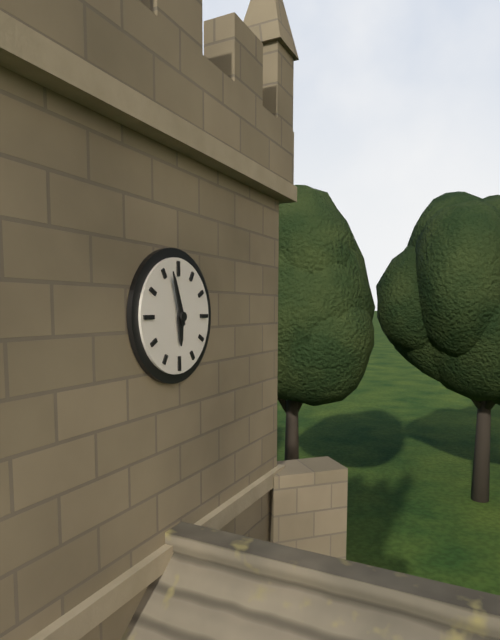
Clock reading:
**5:57**
